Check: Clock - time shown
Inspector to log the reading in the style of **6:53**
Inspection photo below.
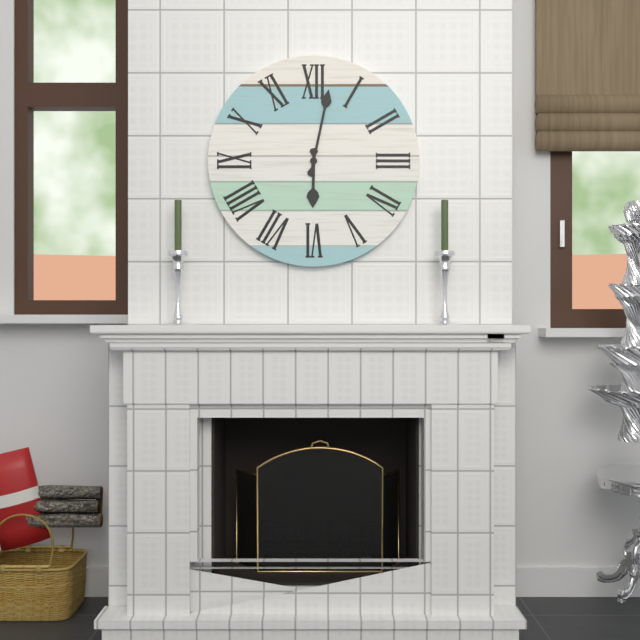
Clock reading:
**6:02**
